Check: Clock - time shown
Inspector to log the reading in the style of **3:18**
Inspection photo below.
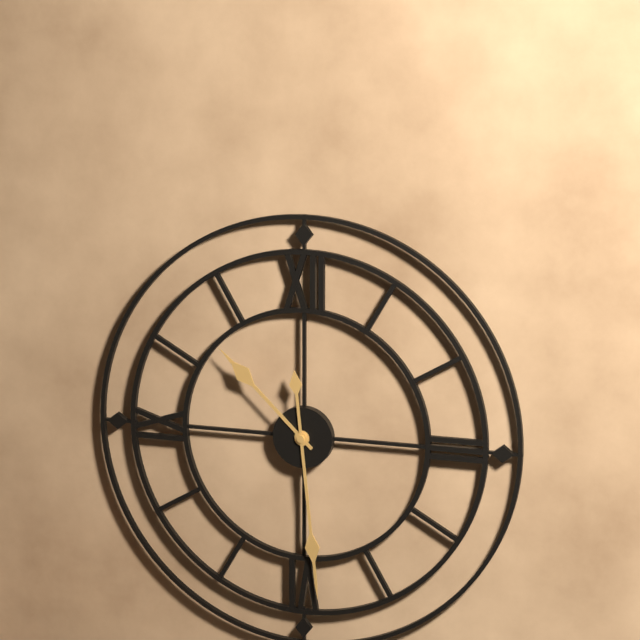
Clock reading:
**10:29**
